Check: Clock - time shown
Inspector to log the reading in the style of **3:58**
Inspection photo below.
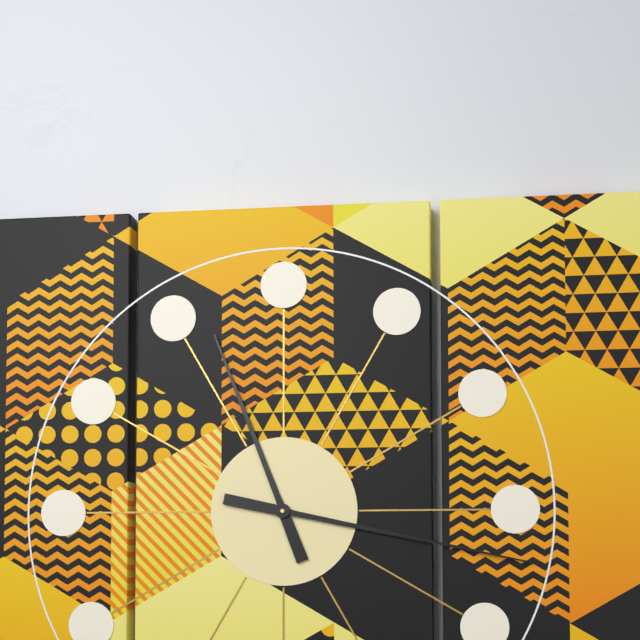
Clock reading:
**11:17**
